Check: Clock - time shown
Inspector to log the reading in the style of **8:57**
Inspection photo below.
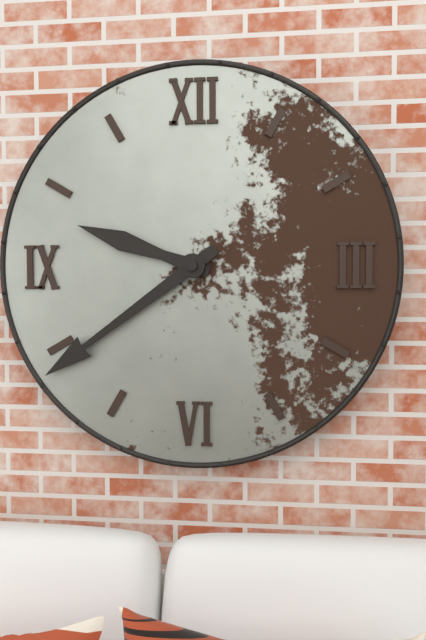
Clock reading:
**9:39**
